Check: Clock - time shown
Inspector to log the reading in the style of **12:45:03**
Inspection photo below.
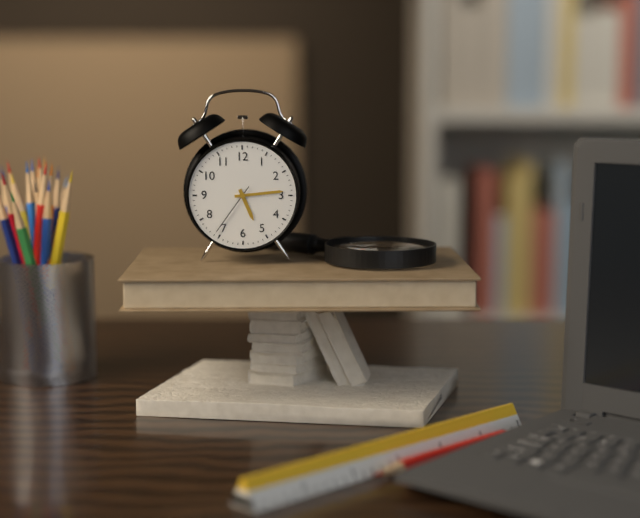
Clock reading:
**5:14:36**
